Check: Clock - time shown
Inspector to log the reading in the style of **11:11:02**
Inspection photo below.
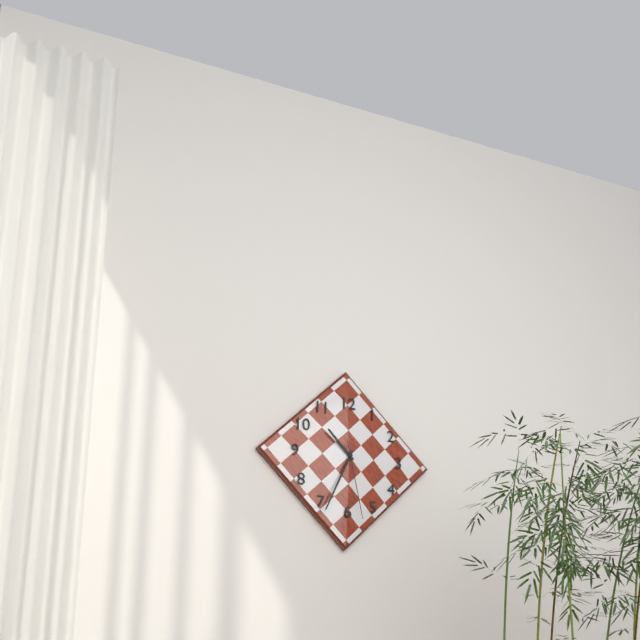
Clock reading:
**10:34:28**
